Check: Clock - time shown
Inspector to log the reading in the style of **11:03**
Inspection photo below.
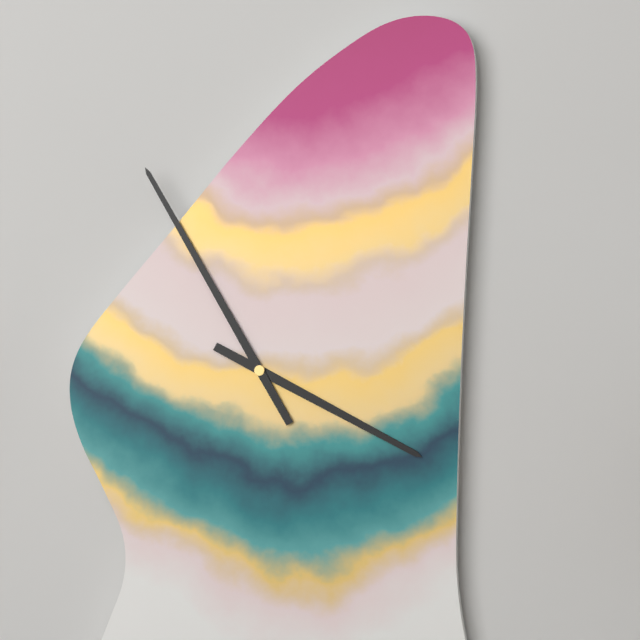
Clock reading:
**3:55**
